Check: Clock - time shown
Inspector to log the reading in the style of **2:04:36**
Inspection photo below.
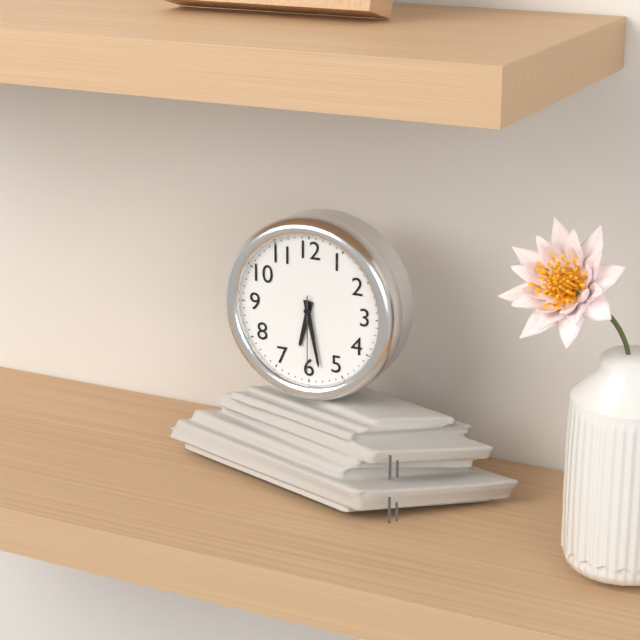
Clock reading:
**6:28:30**
